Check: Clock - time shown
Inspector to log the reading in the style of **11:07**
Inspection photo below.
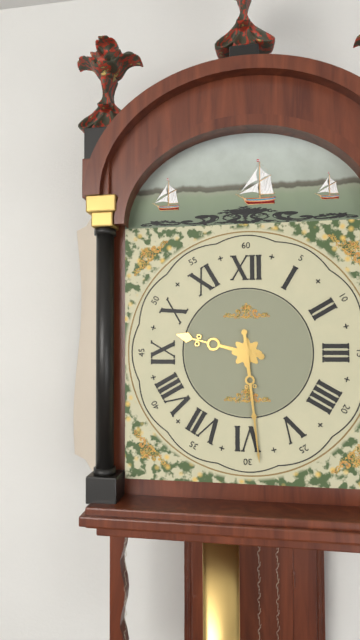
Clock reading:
**9:29**
